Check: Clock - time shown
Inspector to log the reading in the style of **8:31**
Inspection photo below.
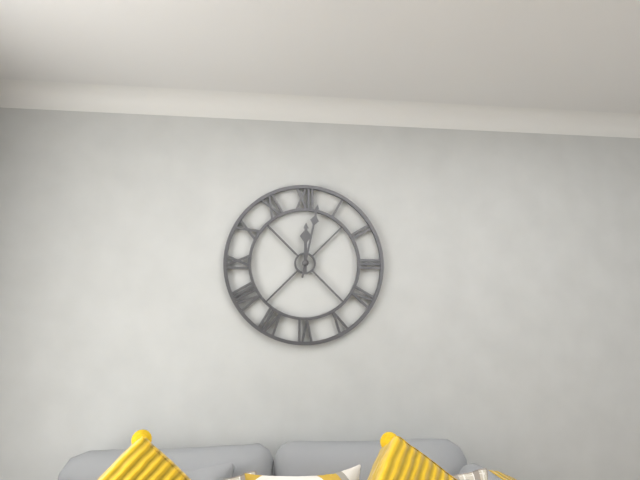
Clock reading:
**12:02**
